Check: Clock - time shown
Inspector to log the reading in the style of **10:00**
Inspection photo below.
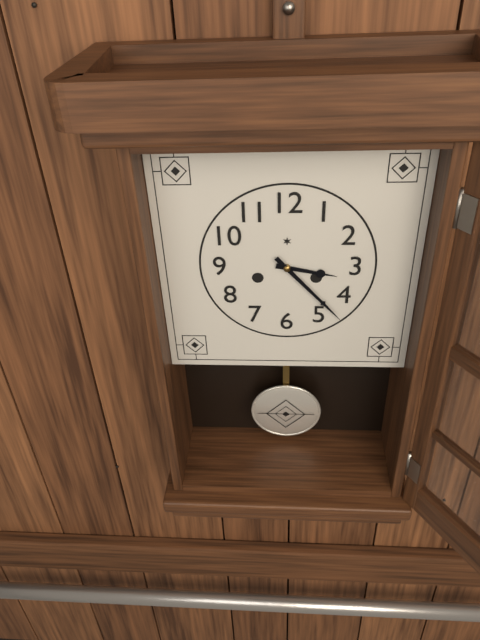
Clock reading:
**3:23**
